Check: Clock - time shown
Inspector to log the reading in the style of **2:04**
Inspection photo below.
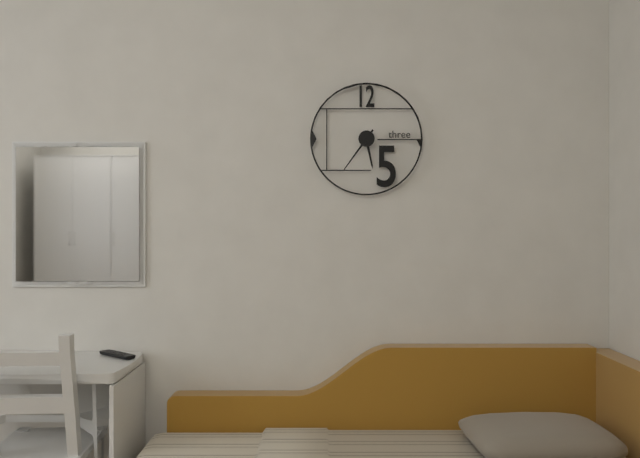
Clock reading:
**5:36**
